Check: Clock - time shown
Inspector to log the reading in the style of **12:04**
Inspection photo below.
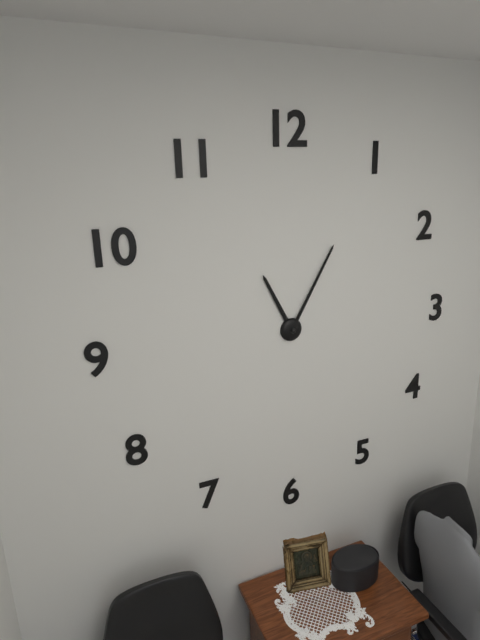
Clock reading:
**11:05**
